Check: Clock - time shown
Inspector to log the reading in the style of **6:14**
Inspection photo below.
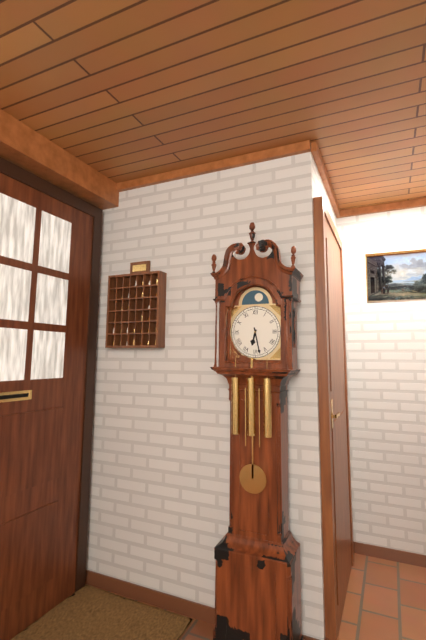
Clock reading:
**6:28**
